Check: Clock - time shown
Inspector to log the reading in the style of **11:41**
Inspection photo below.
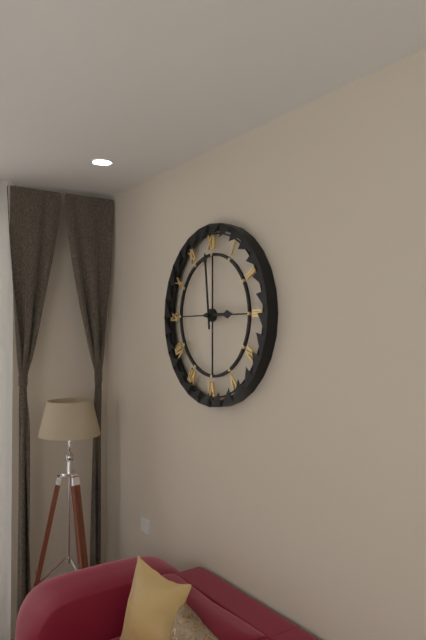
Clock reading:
**2:59**
